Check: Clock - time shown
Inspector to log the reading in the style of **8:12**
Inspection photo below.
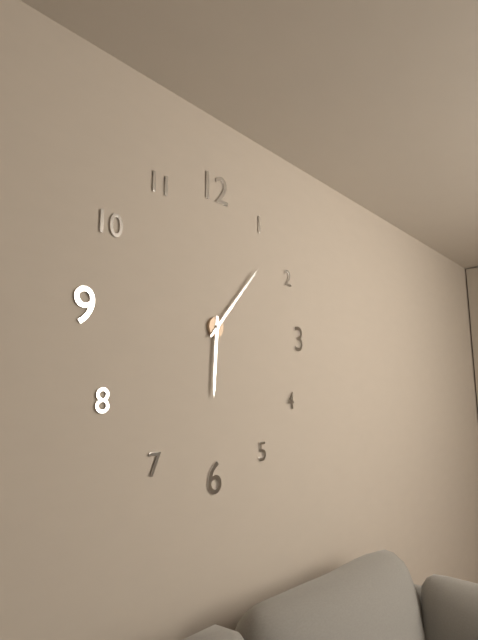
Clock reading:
**6:07**
